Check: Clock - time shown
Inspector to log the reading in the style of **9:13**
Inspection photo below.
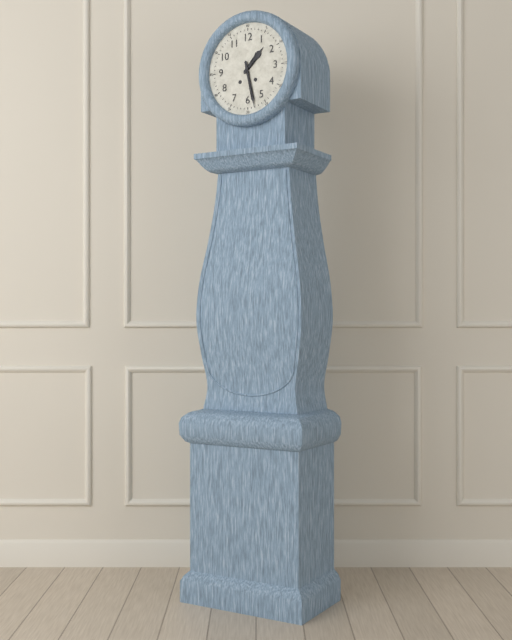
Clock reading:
**1:28**
